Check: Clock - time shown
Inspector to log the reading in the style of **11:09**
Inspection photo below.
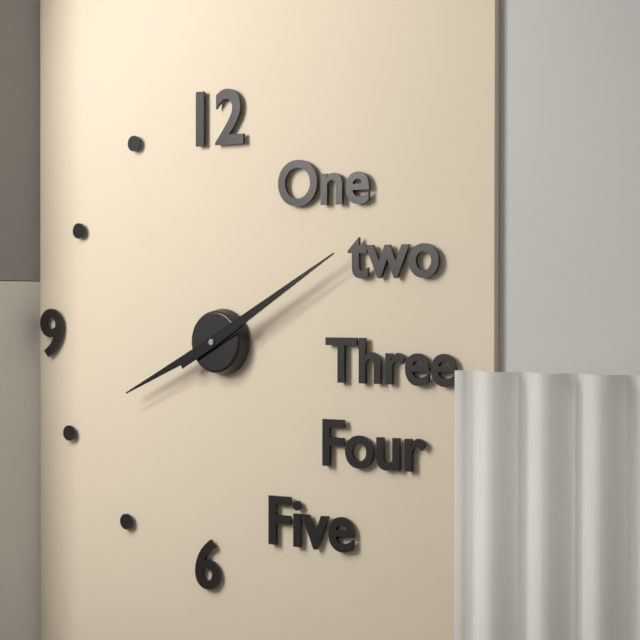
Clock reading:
**8:10**
